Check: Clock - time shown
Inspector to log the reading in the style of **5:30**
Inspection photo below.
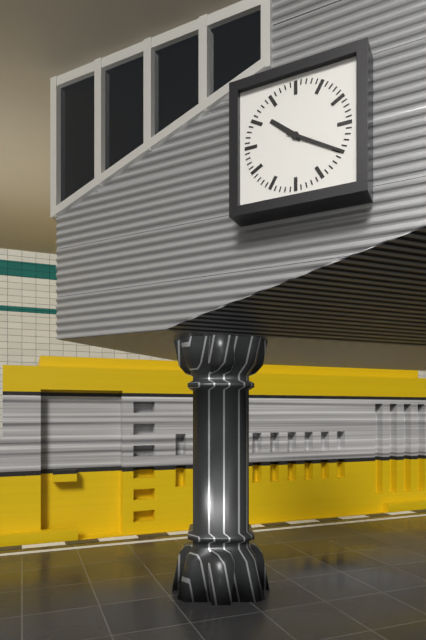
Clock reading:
**10:20**
